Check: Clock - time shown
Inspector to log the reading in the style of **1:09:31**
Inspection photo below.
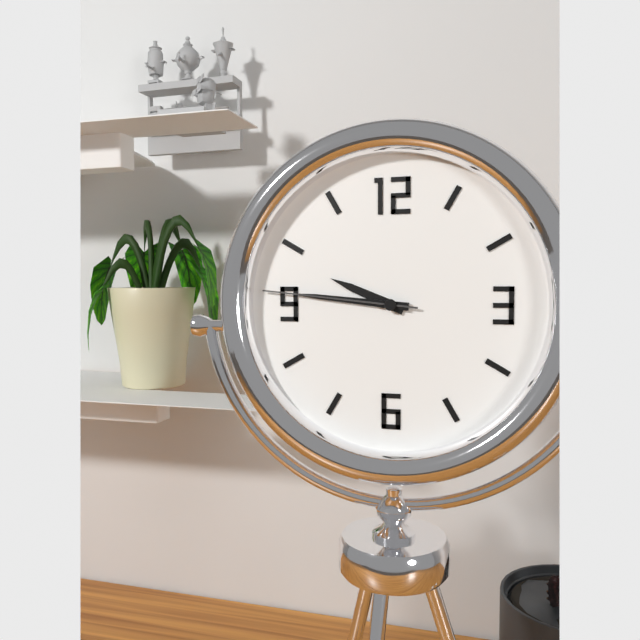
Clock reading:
**9:46:46**
